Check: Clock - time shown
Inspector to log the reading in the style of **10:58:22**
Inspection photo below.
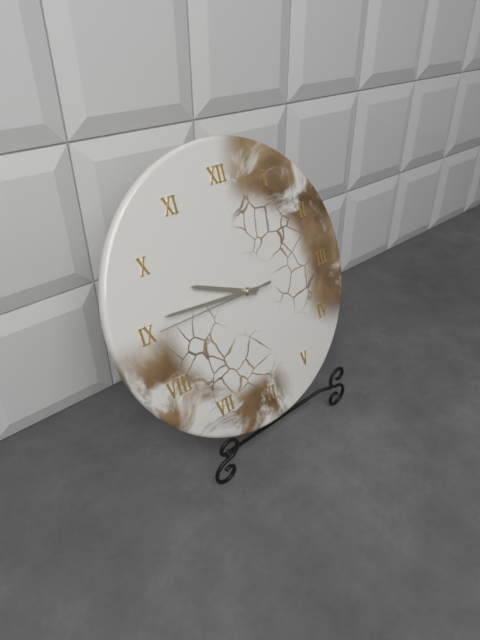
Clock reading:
**9:46:45**
